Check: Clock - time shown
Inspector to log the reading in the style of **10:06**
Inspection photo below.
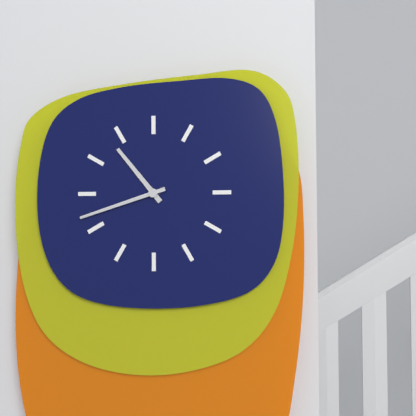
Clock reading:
**10:42**
